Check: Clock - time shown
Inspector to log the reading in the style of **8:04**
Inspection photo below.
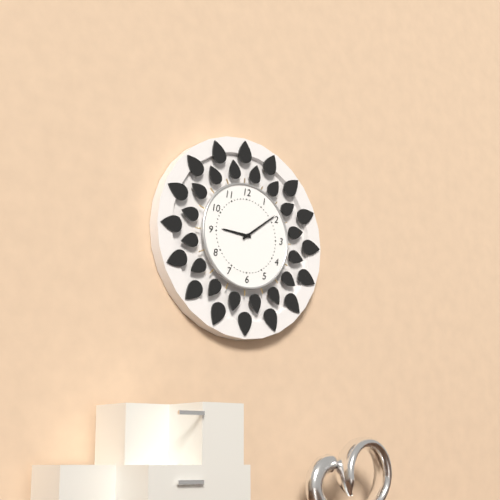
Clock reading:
**9:09**
